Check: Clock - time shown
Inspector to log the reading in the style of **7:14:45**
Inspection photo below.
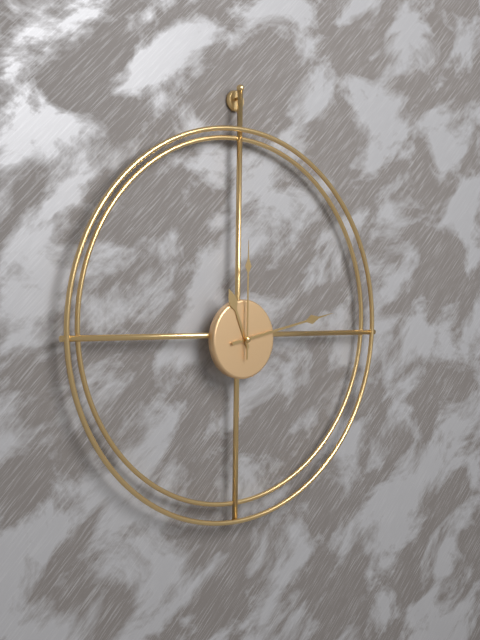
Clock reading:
**11:13:00**
